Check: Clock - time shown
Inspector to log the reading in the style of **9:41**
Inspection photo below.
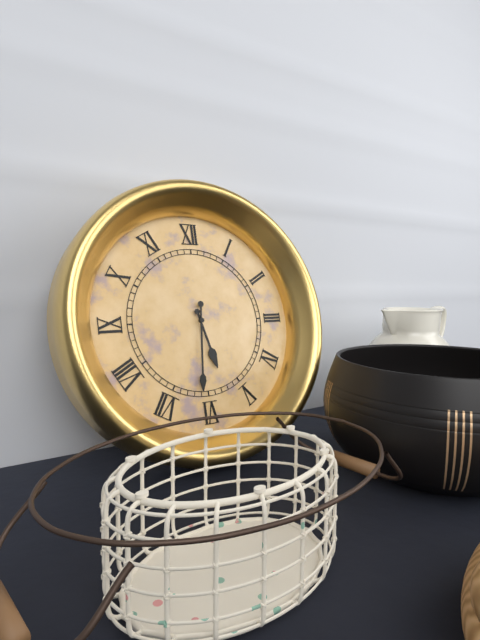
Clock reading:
**5:31**
